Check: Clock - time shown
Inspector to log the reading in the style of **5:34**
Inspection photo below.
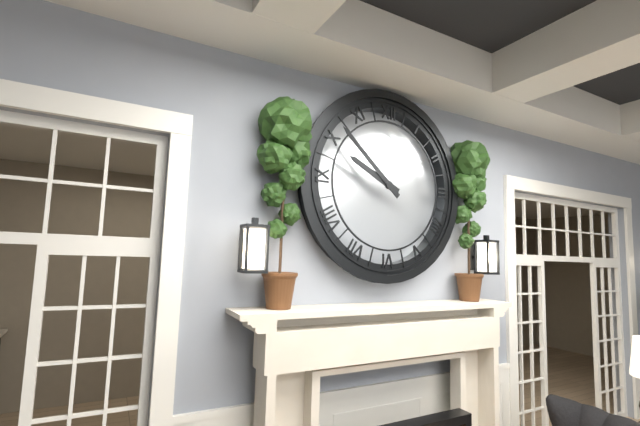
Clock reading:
**9:52**
